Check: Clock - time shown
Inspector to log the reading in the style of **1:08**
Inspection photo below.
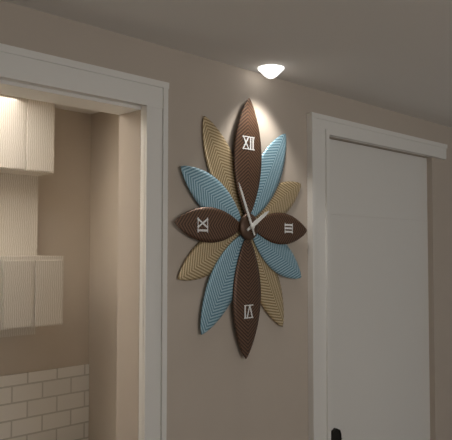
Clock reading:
**1:56**
